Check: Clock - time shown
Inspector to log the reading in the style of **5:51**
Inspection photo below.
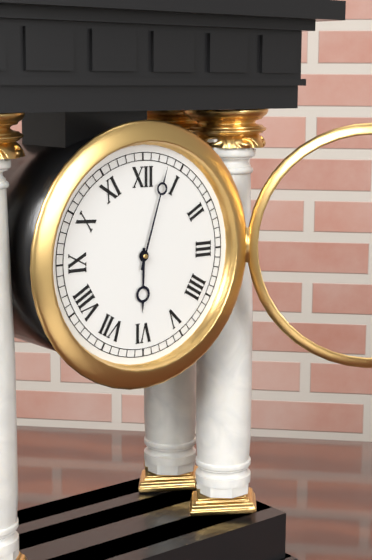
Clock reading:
**6:03**
